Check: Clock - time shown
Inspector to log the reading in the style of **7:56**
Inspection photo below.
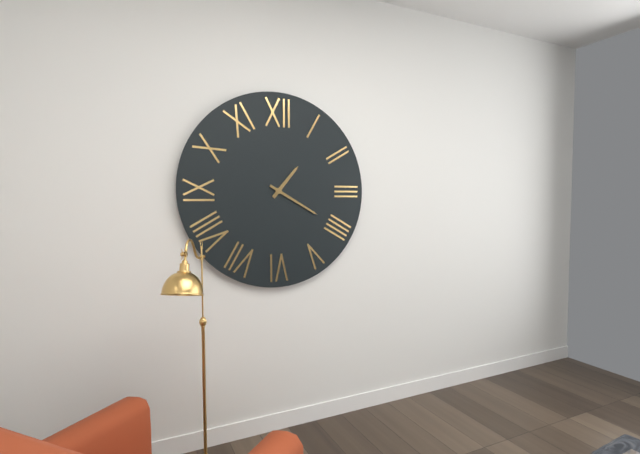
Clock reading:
**1:20**
